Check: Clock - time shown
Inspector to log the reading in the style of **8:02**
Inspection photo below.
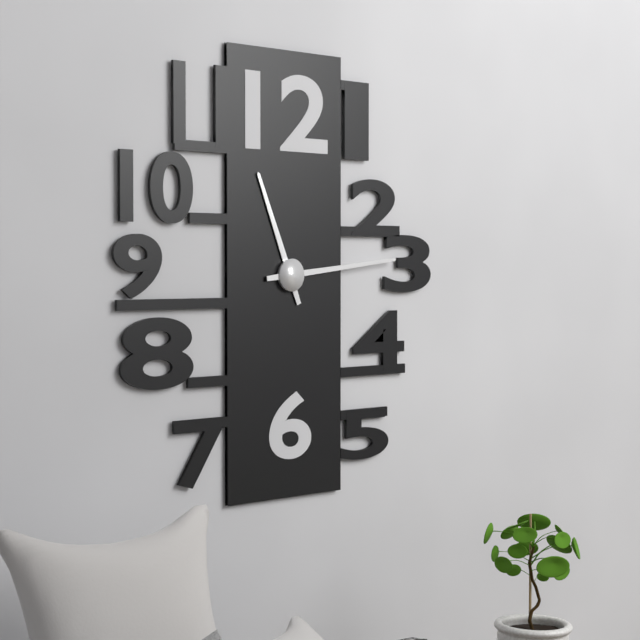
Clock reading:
**11:14**
